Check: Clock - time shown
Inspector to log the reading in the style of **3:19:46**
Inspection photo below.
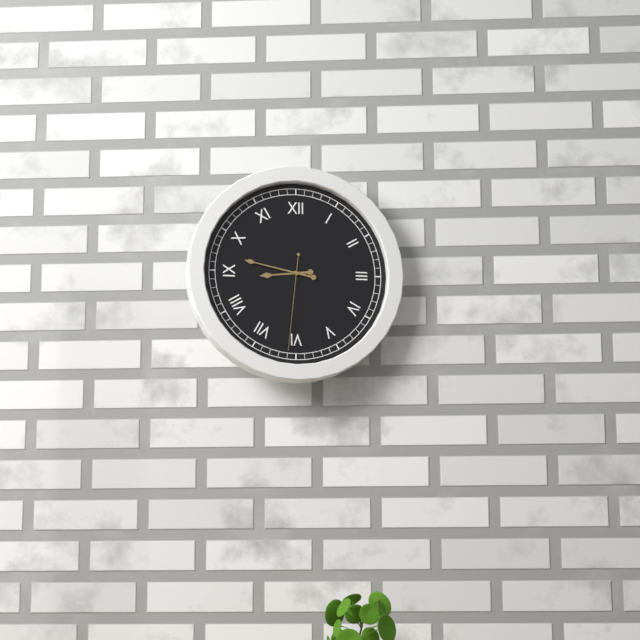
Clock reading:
**8:47:31**
